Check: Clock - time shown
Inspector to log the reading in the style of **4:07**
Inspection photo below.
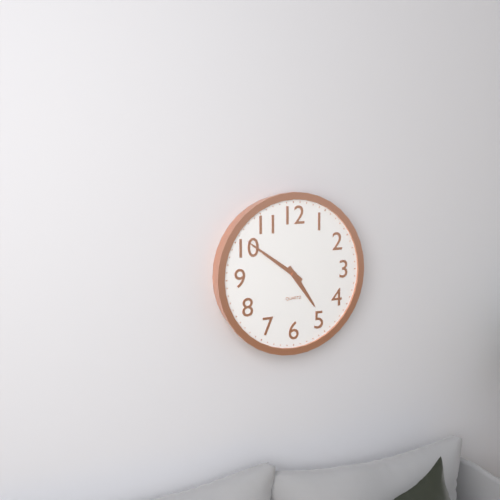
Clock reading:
**4:51**
